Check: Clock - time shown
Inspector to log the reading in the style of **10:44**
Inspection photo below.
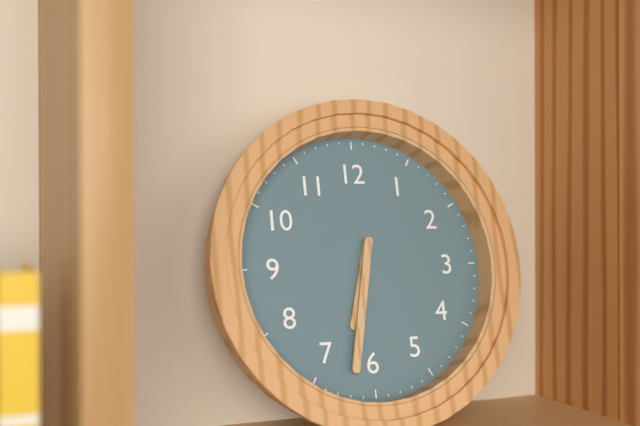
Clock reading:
**6:32**
